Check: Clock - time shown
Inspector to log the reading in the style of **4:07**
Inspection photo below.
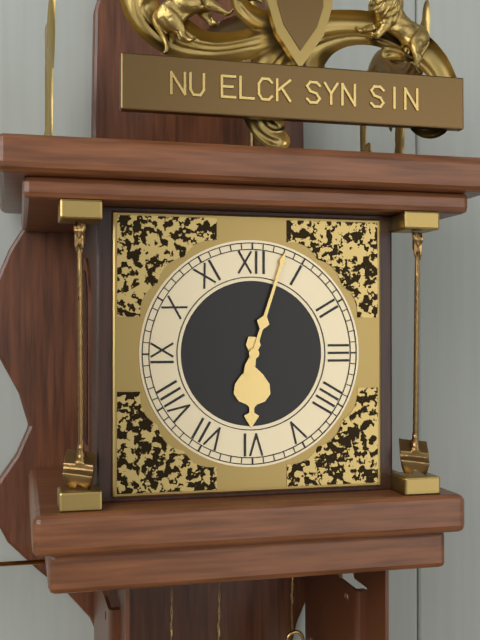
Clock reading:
**6:03**
